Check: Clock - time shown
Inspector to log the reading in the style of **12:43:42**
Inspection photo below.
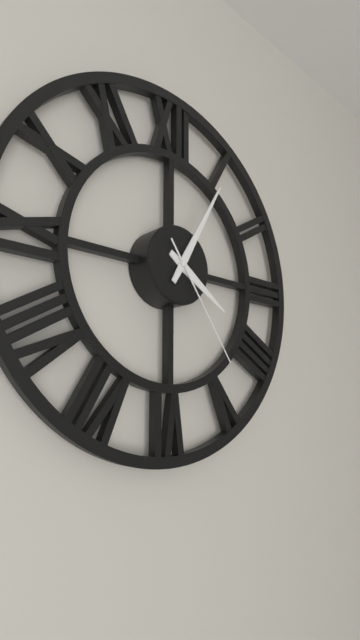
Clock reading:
**4:05:24**
